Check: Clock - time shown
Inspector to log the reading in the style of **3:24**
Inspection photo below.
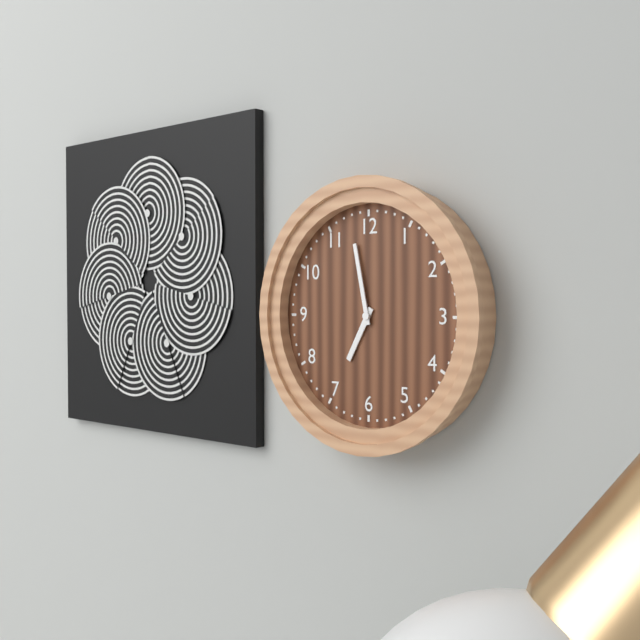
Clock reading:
**6:58**
